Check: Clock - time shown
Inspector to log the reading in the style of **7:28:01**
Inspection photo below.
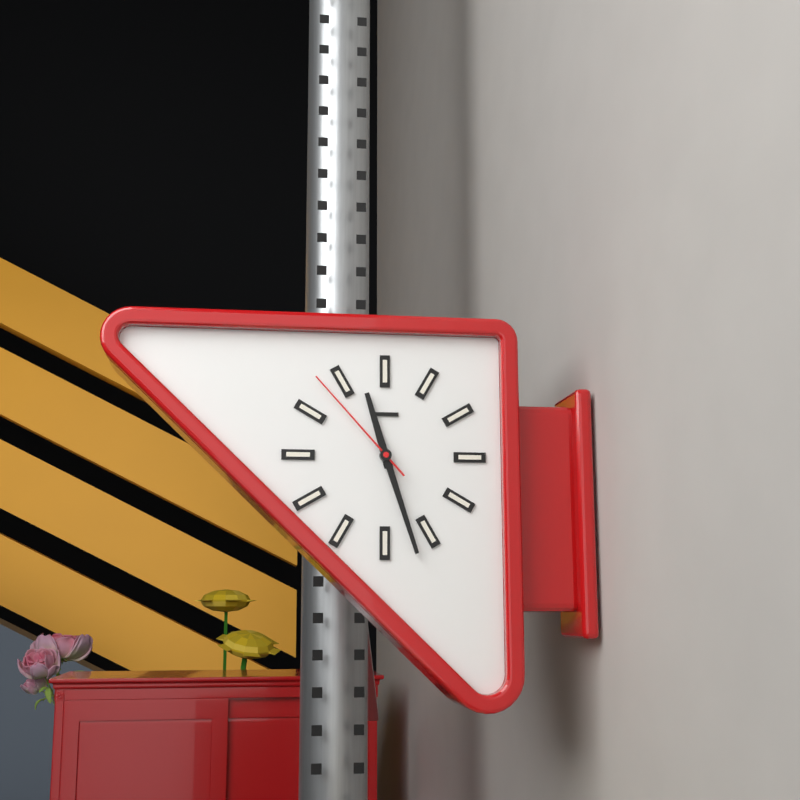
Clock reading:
**11:27:53**
